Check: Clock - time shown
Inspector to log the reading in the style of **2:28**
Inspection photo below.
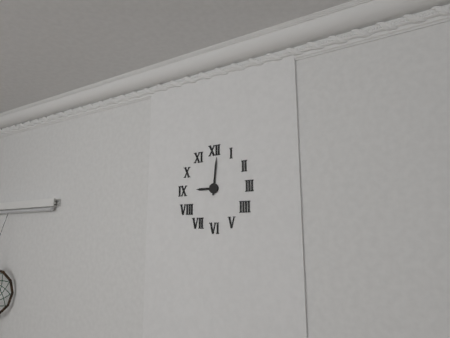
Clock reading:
**9:01**
